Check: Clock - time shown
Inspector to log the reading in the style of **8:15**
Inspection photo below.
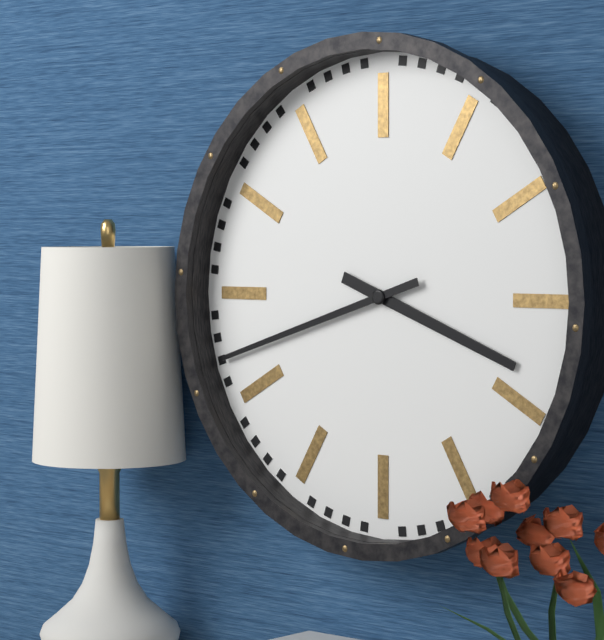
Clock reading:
**3:42**
